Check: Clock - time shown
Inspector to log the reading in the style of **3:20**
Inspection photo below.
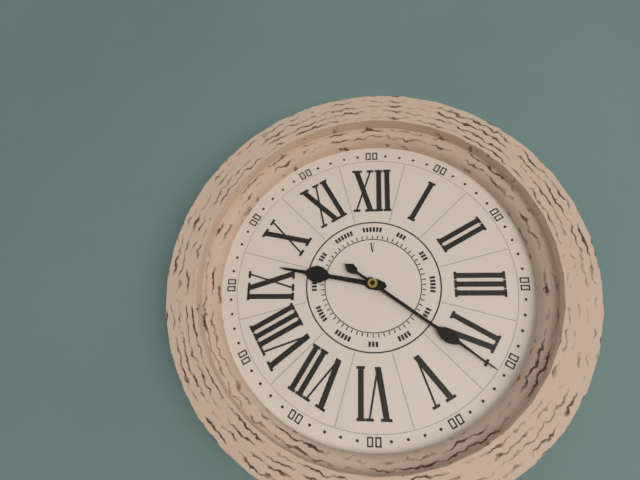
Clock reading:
**9:21**
